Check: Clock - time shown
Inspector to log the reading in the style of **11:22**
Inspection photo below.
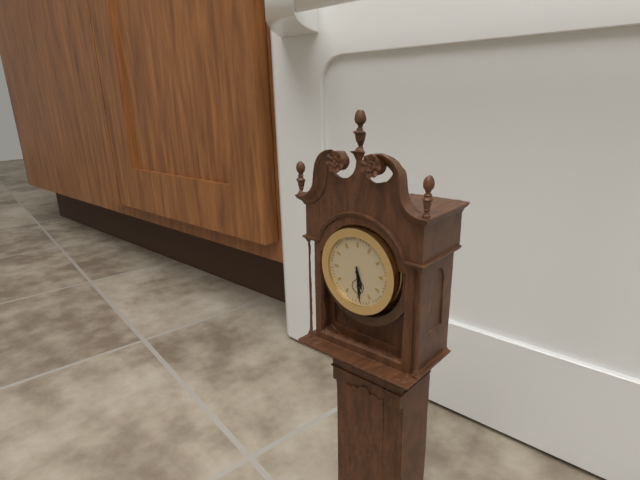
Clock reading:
**5:29**
